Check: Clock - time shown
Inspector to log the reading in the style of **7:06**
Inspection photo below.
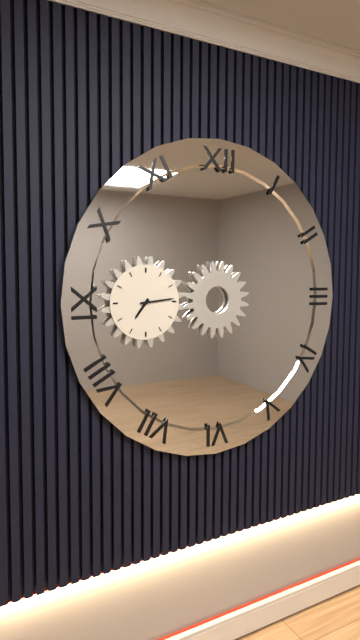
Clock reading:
**7:14**
